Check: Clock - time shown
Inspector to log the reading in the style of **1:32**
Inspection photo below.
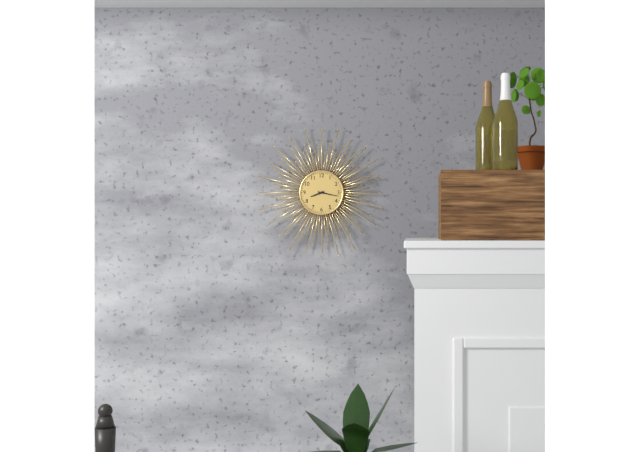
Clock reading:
**8:17**
